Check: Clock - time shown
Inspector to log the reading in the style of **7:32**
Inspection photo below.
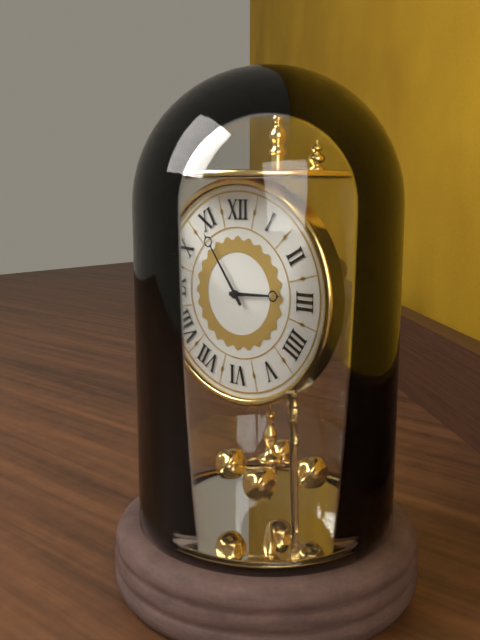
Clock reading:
**2:54**
